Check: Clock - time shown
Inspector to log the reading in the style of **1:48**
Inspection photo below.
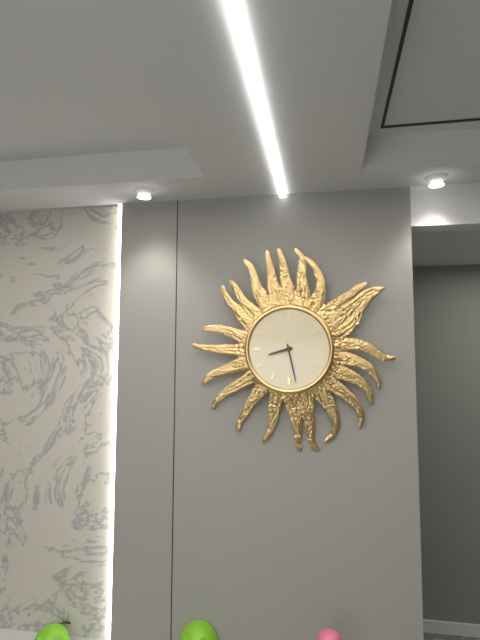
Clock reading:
**8:28**
